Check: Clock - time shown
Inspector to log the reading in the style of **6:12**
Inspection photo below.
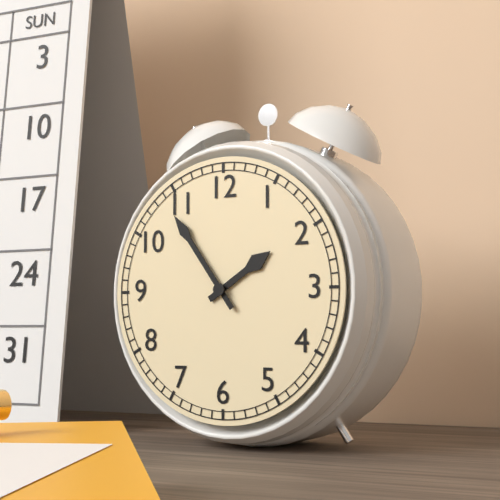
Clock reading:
**1:54**
